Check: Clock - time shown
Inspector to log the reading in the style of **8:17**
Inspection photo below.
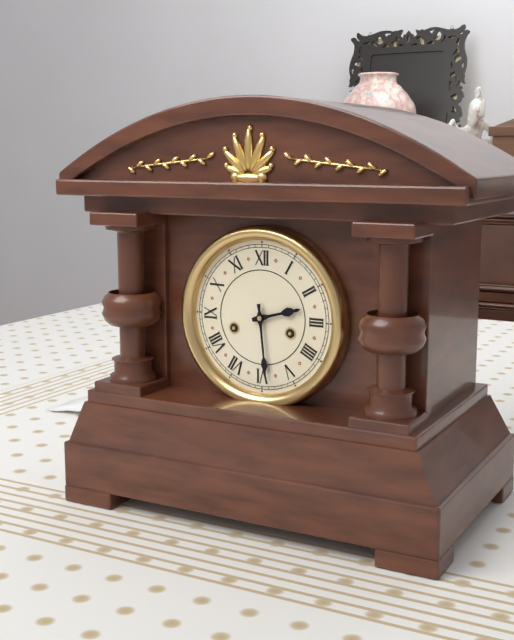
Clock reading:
**2:29**
